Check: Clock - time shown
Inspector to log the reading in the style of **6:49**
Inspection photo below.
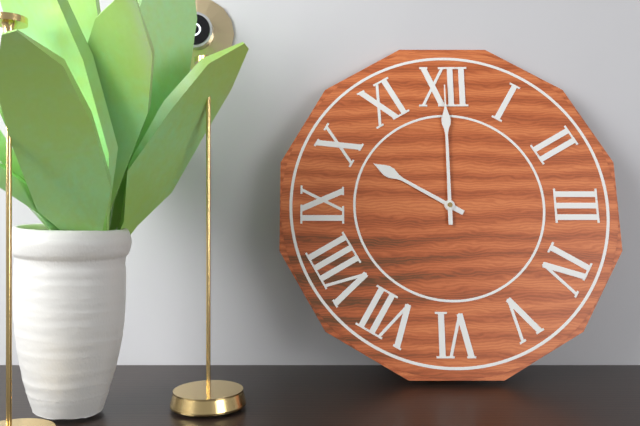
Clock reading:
**10:00**
